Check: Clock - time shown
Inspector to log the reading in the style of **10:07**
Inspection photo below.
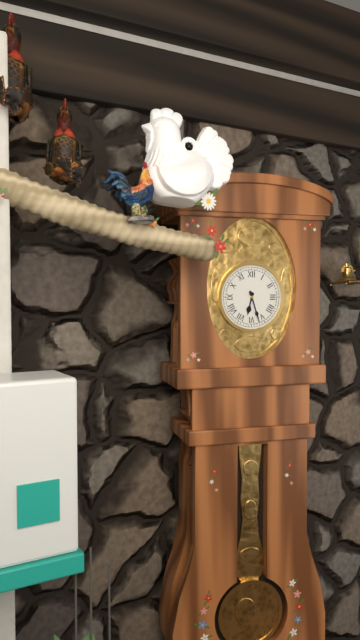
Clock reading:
**6:27**
